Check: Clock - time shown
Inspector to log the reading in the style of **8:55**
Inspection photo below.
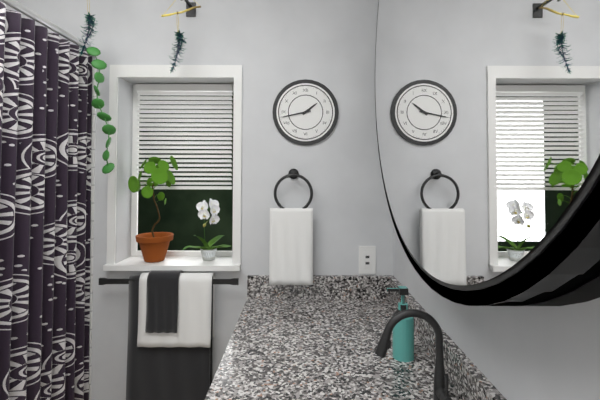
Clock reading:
**1:43**
